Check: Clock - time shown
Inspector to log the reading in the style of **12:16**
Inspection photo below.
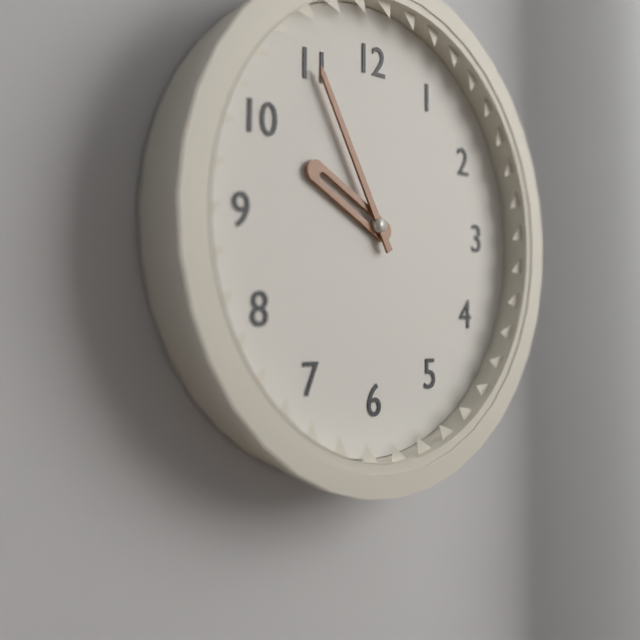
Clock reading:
**9:55**
